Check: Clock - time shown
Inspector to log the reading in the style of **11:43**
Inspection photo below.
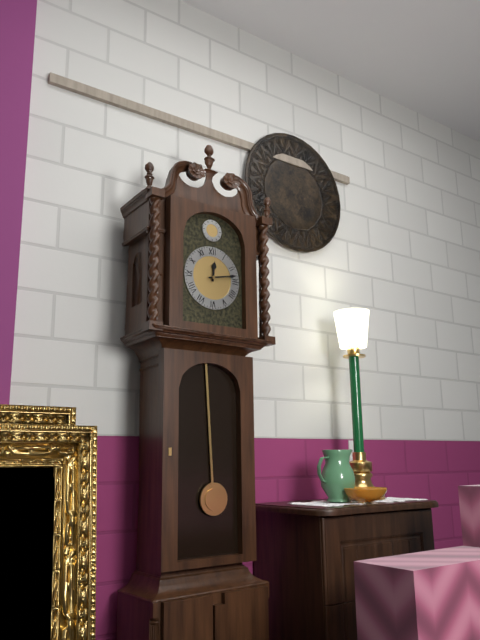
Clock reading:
**12:13**
